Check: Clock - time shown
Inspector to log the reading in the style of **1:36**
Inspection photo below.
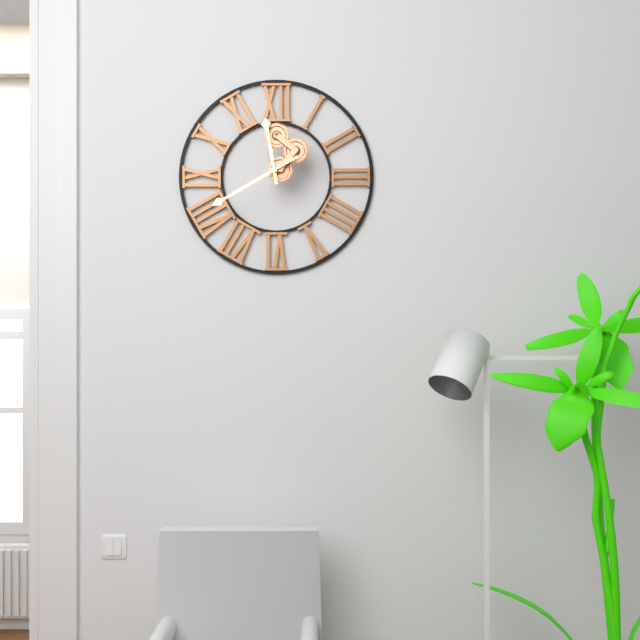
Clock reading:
**11:40**
